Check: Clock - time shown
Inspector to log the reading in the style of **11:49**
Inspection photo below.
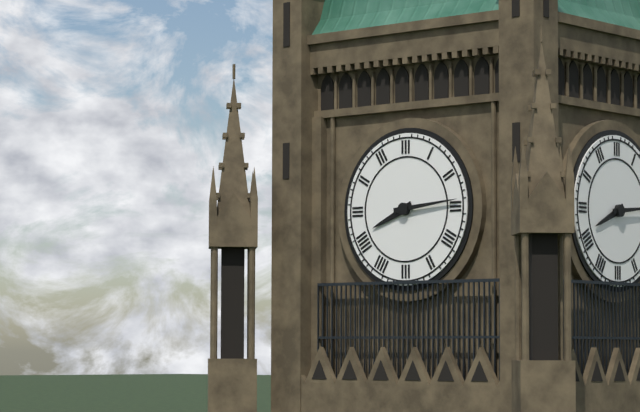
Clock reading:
**8:14**
